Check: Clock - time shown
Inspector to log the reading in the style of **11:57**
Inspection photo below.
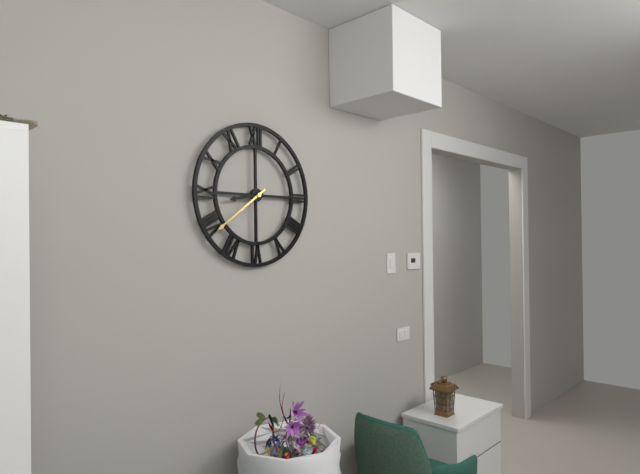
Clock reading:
**8:39**
